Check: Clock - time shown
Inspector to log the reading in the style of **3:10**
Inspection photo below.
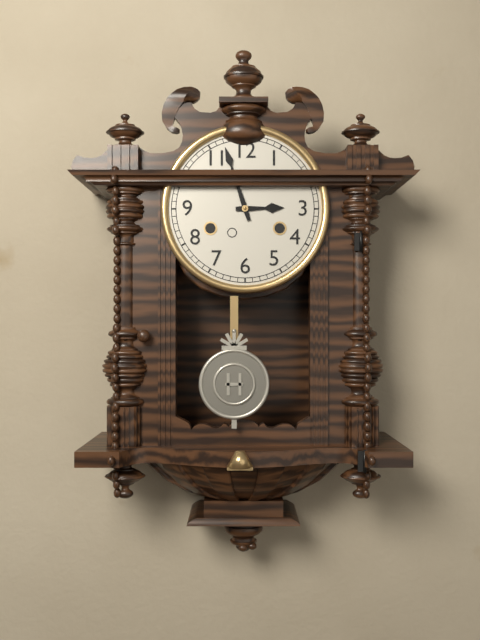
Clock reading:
**2:57**
